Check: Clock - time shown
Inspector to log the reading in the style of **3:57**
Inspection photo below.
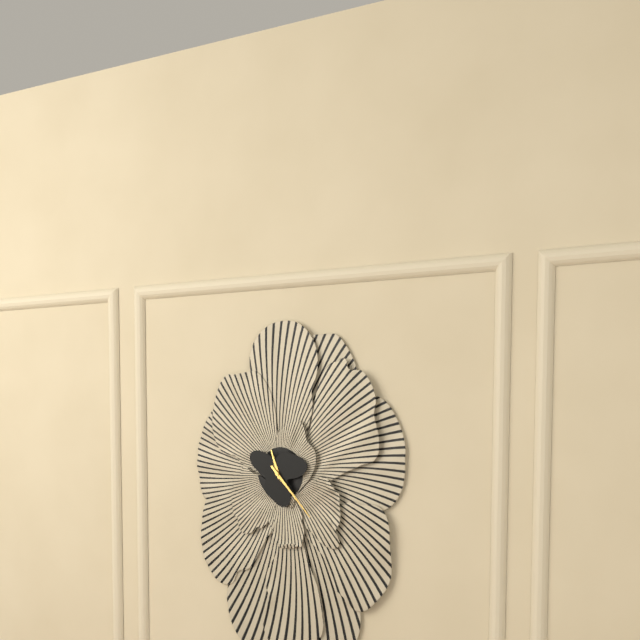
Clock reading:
**11:23**
